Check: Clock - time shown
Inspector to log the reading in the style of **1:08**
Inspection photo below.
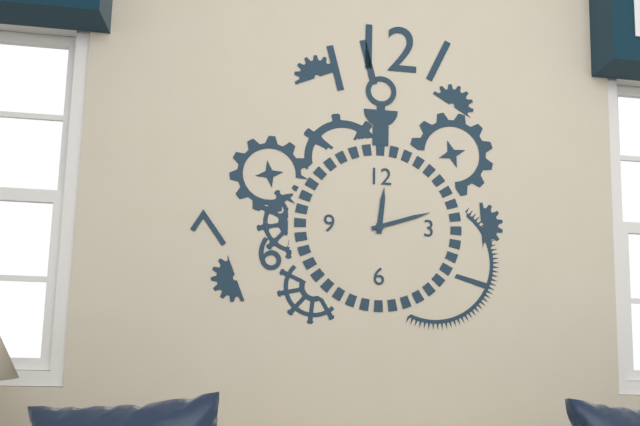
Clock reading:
**12:12**
